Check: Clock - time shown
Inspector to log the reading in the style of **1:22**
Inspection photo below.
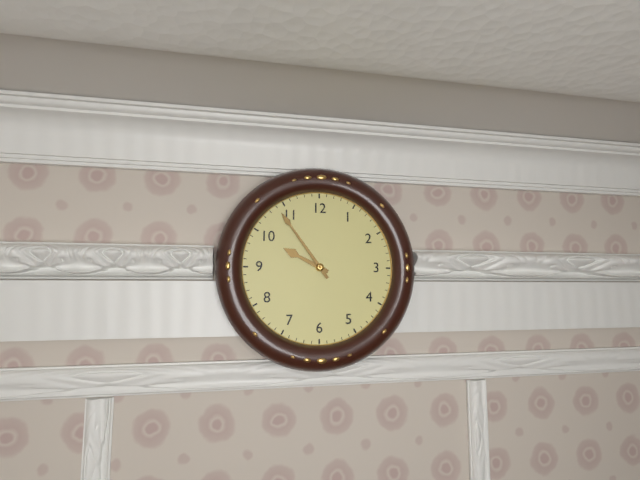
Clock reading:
**9:54**
